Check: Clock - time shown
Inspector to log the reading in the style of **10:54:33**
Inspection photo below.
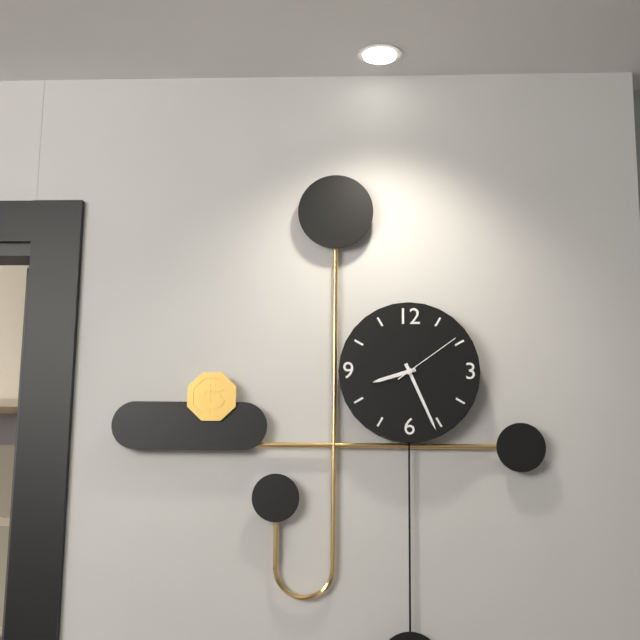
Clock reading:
**8:26:09**
